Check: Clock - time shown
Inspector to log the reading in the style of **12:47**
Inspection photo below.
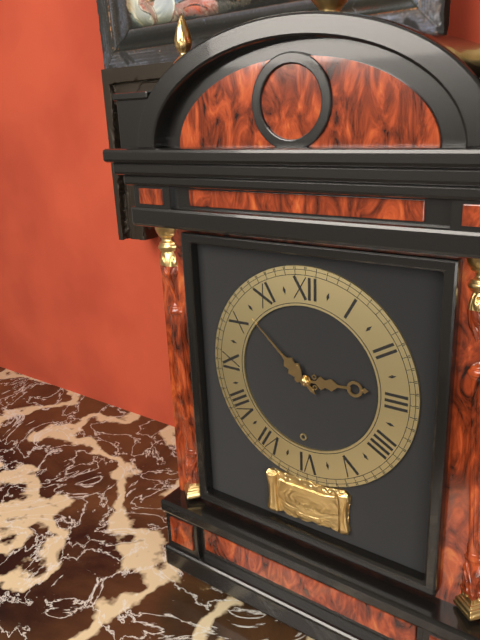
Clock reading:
**2:52**
